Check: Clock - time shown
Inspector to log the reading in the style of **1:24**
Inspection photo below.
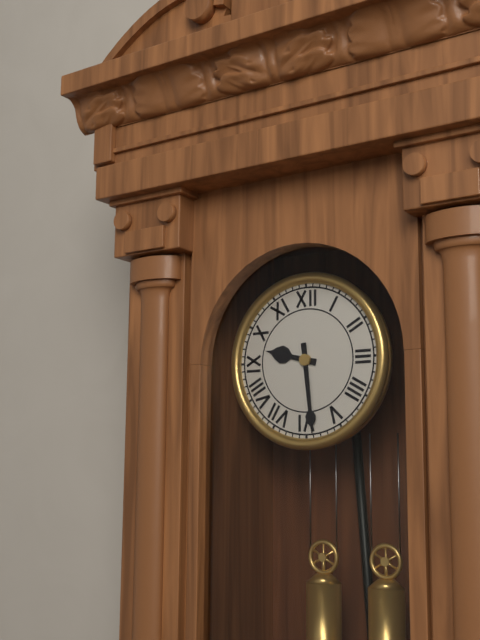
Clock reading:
**9:29**
